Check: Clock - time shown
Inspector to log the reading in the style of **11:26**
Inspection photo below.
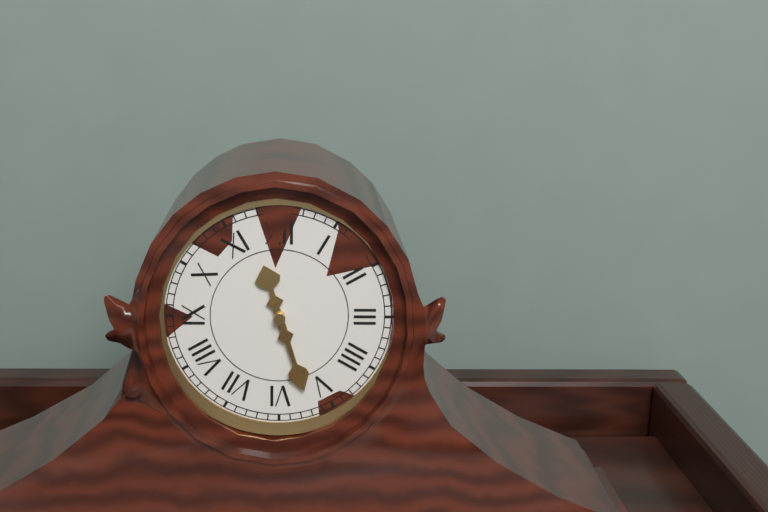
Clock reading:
**11:27**
